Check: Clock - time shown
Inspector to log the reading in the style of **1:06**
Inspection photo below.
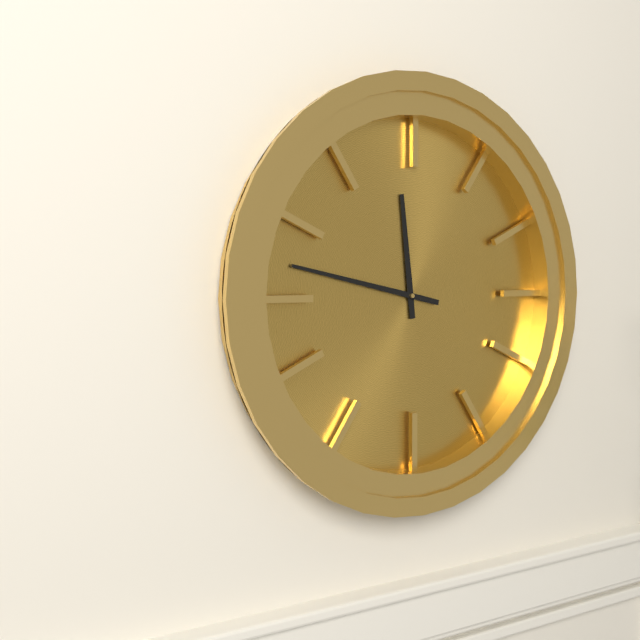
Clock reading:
**11:47**
